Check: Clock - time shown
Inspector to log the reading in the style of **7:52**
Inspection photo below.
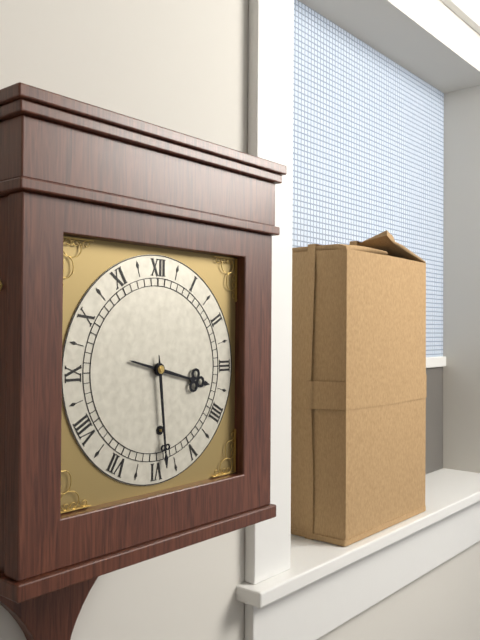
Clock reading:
**3:29**
